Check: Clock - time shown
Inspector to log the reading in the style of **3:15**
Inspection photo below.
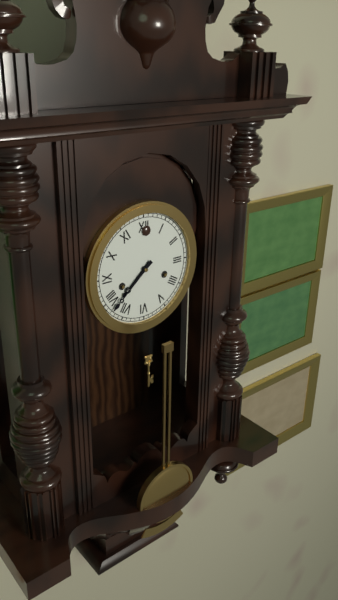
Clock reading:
**7:38**
